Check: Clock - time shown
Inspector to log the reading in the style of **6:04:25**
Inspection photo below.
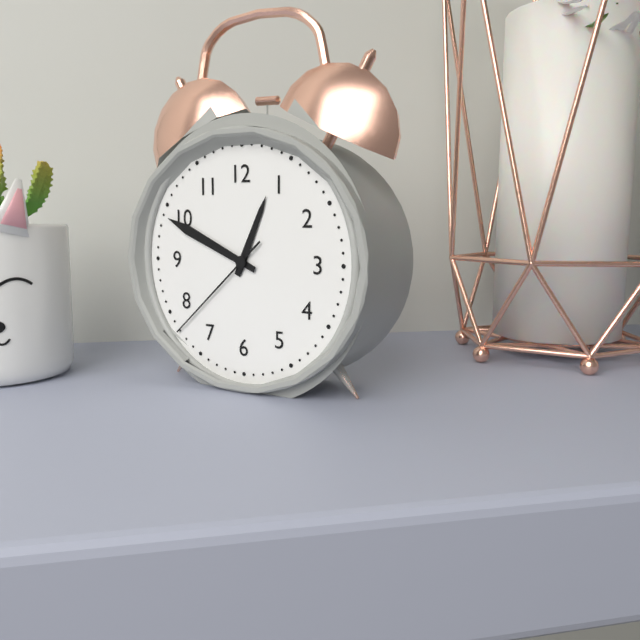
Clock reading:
**12:49:38**
